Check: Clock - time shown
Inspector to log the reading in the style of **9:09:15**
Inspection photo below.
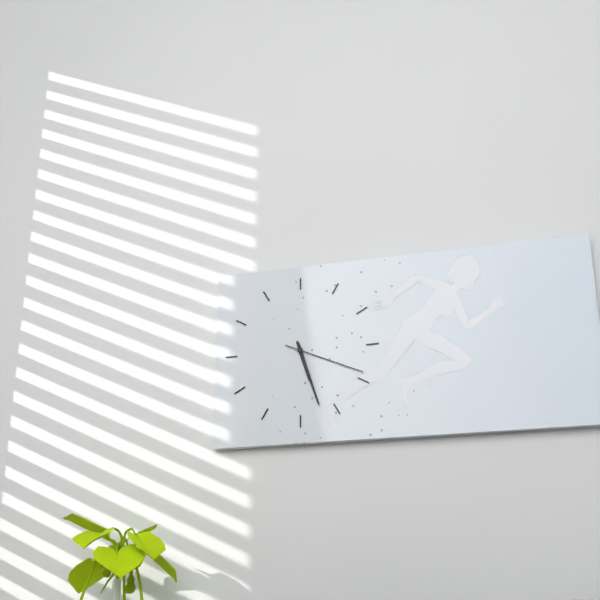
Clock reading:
**5:27:19**
